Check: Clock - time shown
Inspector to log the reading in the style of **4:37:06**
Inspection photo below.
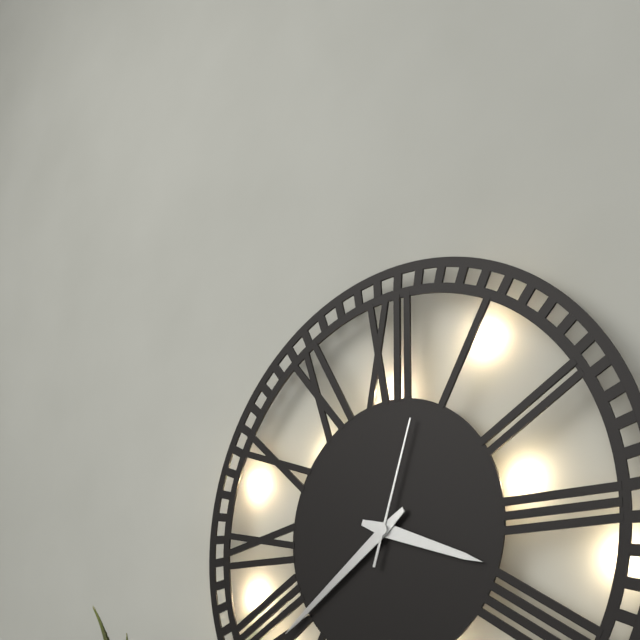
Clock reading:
**3:39:03**
